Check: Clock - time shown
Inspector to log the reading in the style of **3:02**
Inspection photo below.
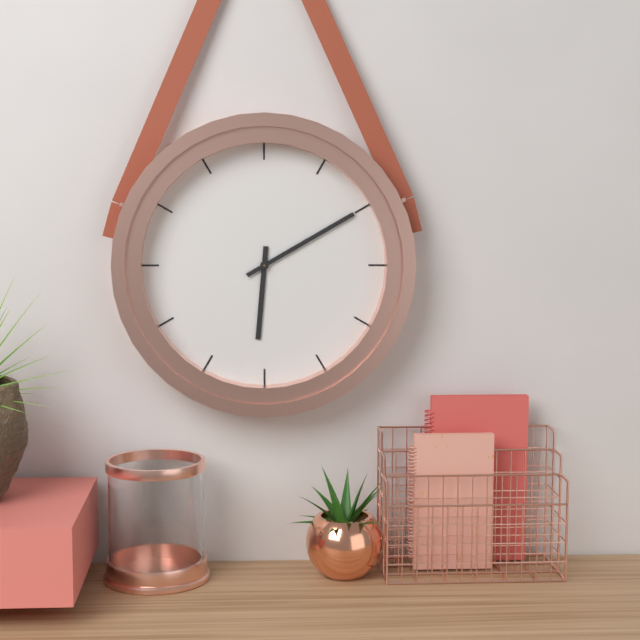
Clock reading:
**6:10**
